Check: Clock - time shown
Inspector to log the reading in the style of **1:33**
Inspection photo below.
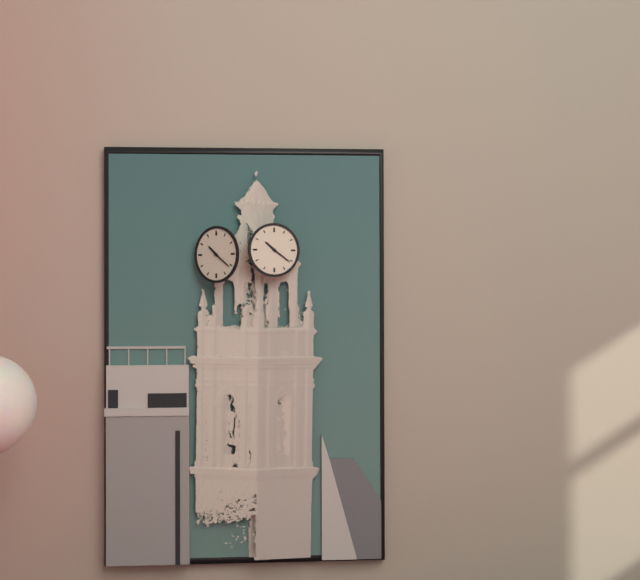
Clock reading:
**10:21**
